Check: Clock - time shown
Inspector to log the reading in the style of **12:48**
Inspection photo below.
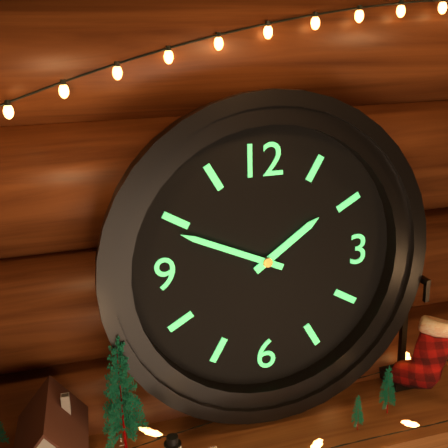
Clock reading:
**1:49**
